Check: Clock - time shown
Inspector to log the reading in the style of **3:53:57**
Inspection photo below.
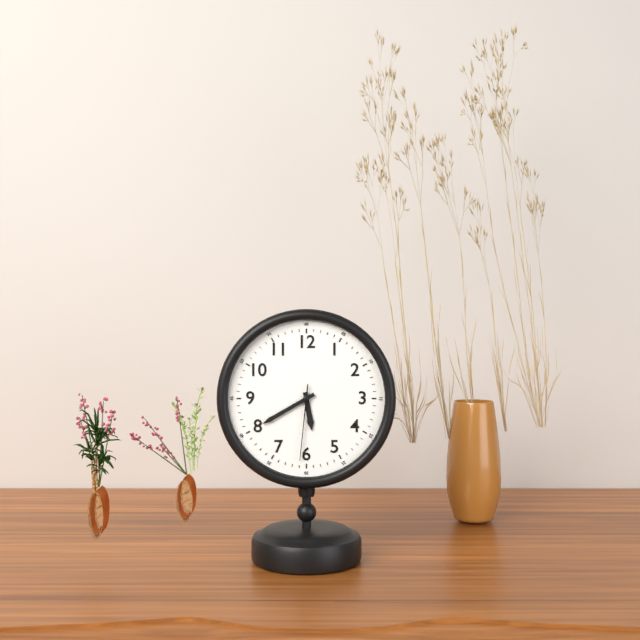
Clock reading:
**5:40:31**
